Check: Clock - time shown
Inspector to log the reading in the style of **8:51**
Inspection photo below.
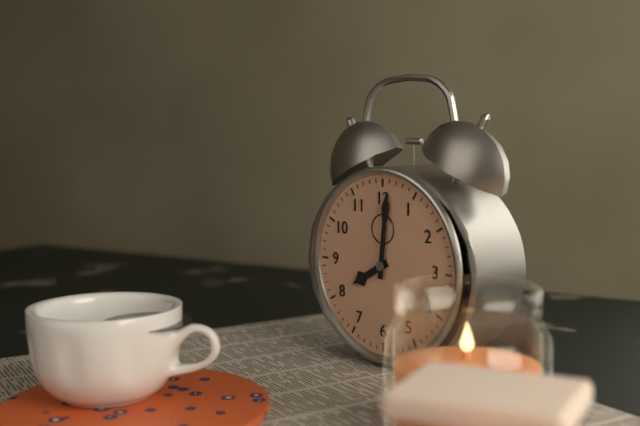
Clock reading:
**8:01**
